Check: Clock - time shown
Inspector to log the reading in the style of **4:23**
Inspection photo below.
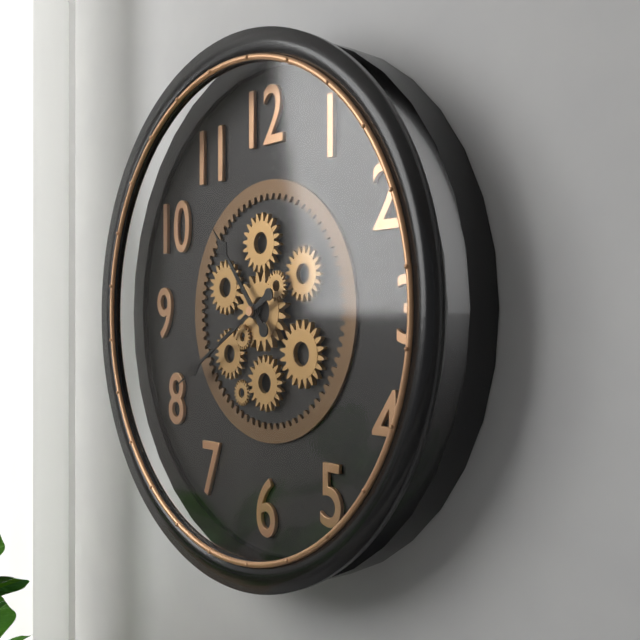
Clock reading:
**10:40**
